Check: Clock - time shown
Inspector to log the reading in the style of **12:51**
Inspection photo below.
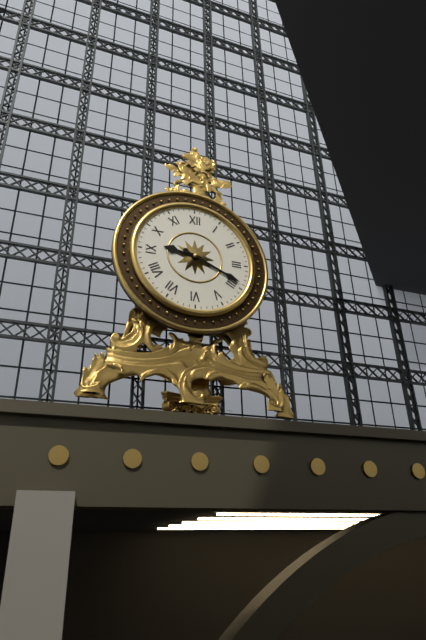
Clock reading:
**9:19**
